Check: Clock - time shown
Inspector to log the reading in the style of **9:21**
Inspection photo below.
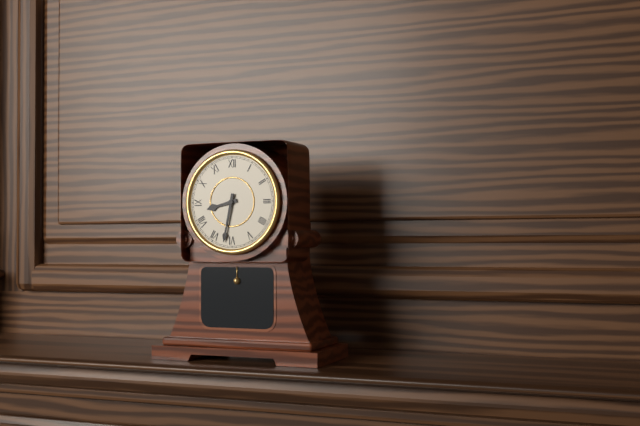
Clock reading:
**8:32**
